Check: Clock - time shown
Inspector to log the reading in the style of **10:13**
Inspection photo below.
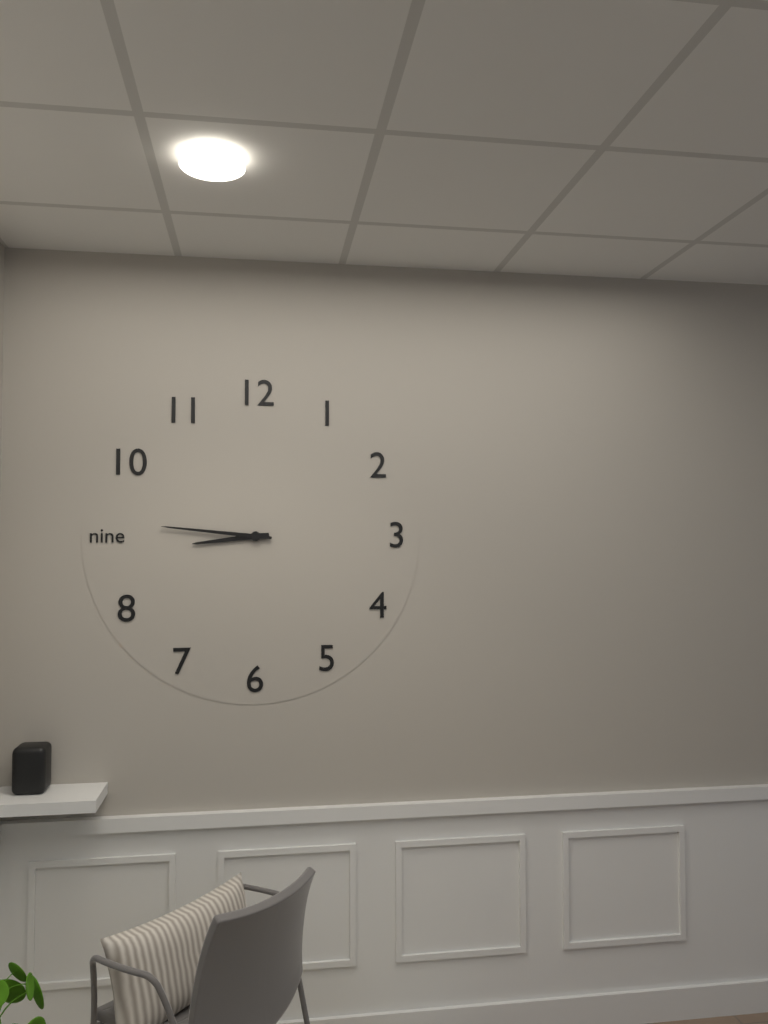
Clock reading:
**8:46**
